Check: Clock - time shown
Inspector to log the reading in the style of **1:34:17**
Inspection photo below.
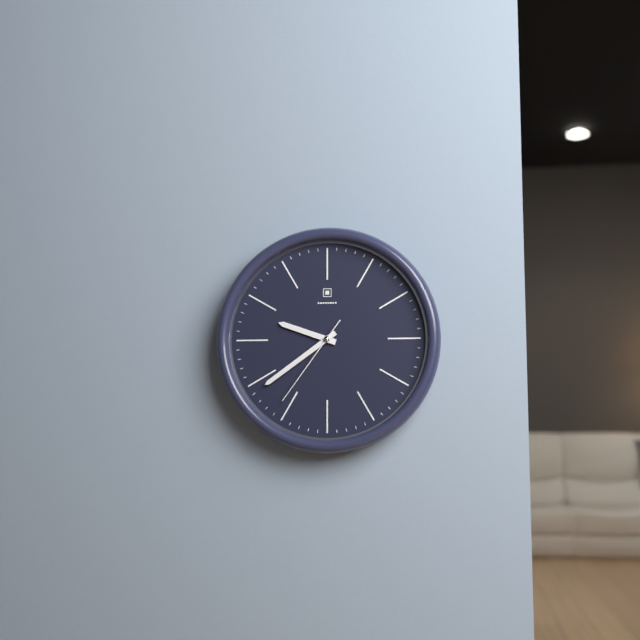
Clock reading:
**9:39:36**
